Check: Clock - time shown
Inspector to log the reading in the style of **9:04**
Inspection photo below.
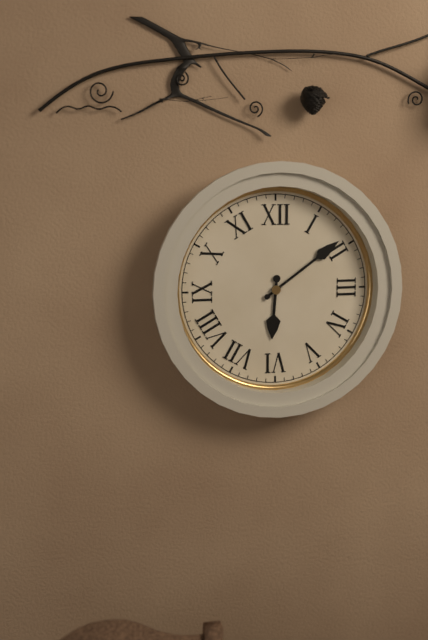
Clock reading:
**6:09**
